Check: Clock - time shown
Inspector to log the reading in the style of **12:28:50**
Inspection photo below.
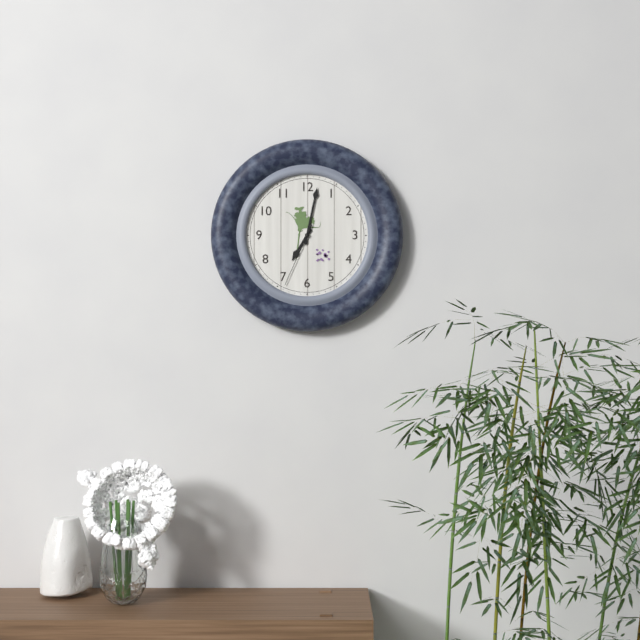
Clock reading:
**7:02:34**
